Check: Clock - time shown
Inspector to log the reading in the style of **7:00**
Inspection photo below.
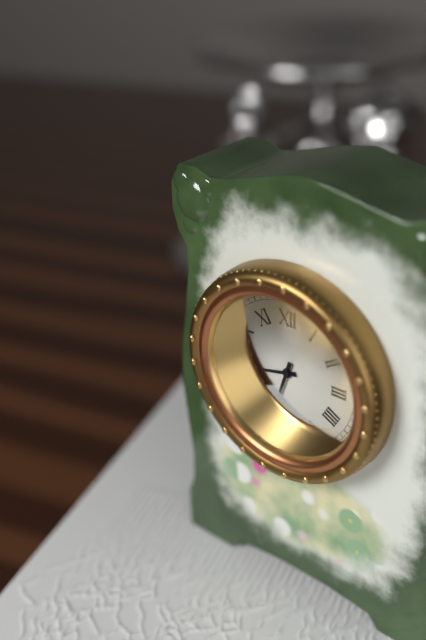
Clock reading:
**8:33**
